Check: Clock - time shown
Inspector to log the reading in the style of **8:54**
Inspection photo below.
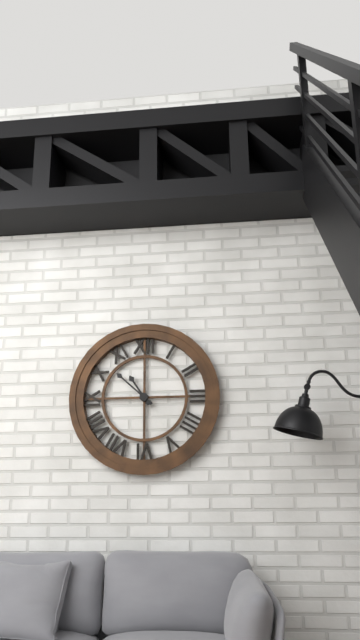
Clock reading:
**10:52**
